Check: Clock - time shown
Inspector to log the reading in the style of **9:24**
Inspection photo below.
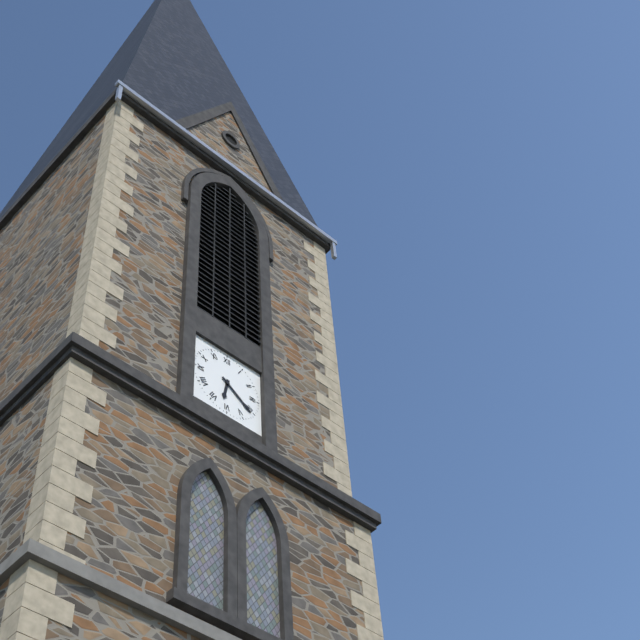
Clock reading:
**6:21**
